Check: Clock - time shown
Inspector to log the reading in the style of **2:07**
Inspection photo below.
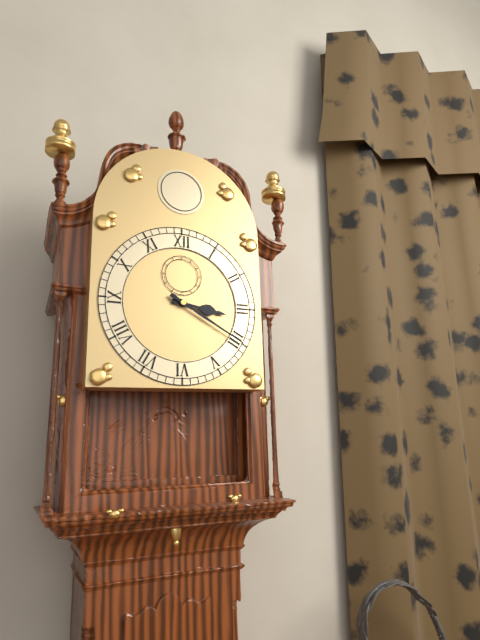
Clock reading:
**3:20**
